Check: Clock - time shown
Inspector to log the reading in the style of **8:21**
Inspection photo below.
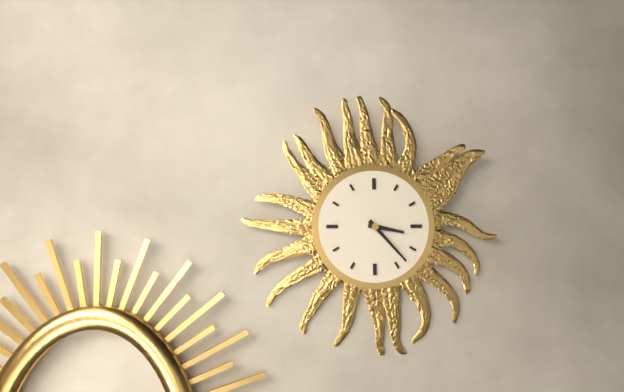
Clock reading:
**3:23**
